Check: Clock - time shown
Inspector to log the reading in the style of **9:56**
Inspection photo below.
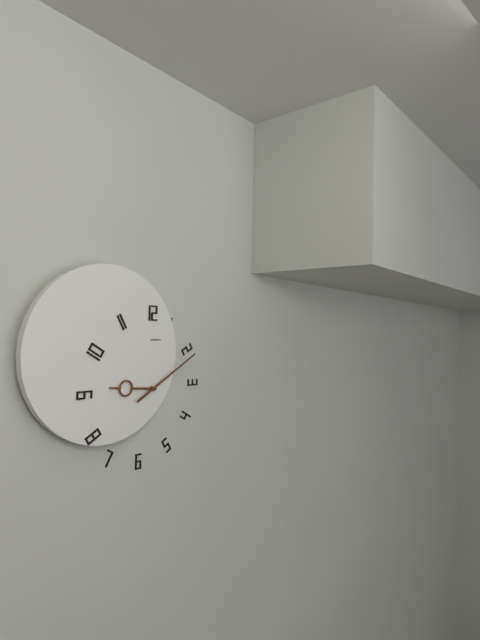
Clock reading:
**9:10**
